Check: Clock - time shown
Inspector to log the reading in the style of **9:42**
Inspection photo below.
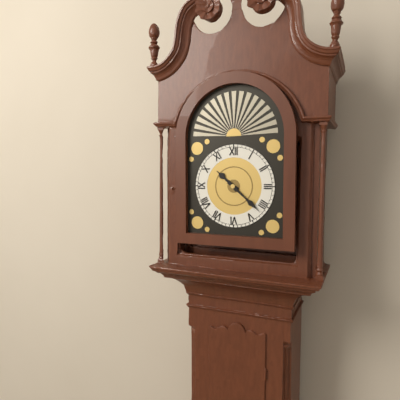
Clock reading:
**10:22**
